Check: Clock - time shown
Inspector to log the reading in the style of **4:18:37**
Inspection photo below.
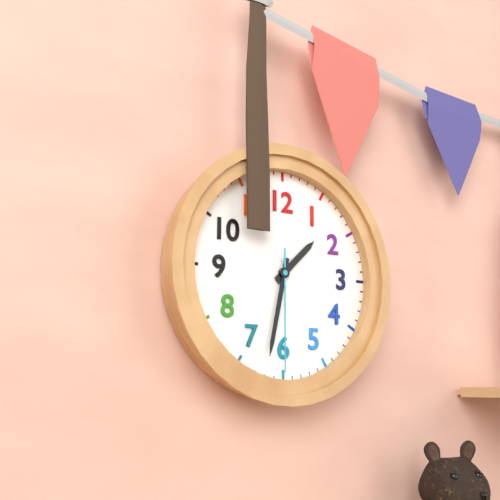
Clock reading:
**1:32:30**
